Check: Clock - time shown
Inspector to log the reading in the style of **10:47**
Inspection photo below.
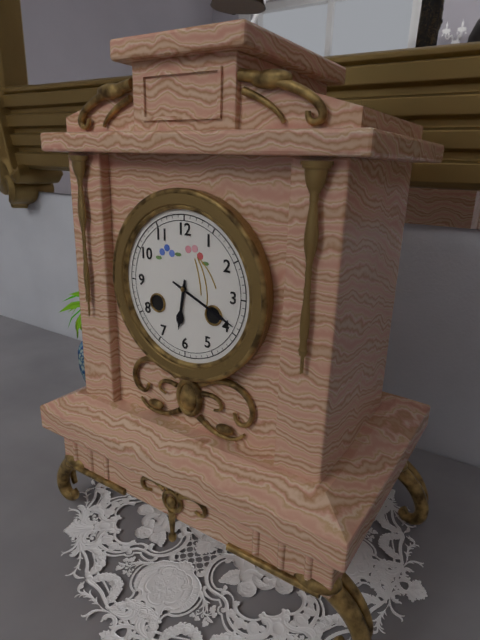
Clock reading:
**6:19**
